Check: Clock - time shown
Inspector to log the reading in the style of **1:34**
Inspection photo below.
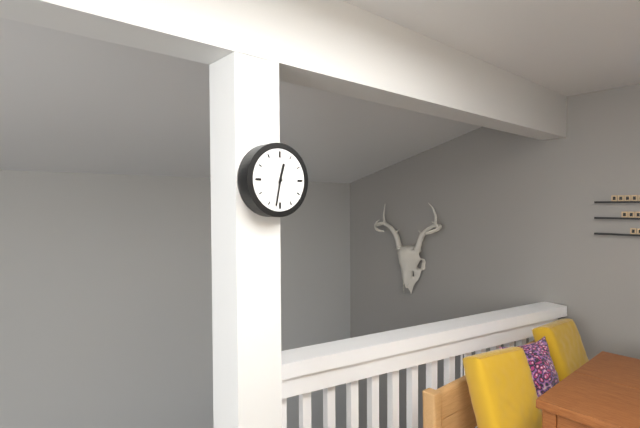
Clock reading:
**12:32**
